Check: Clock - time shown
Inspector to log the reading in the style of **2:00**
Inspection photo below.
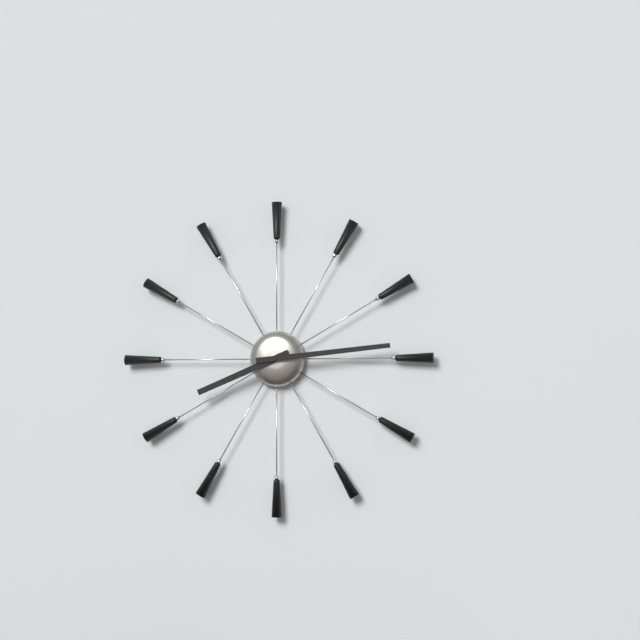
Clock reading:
**8:14**
